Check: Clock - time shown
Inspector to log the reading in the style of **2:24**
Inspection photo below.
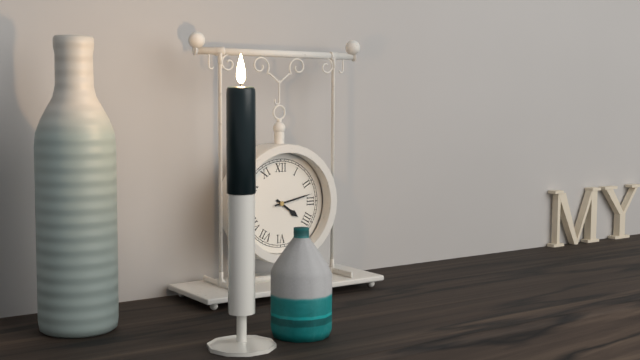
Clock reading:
**4:13**
